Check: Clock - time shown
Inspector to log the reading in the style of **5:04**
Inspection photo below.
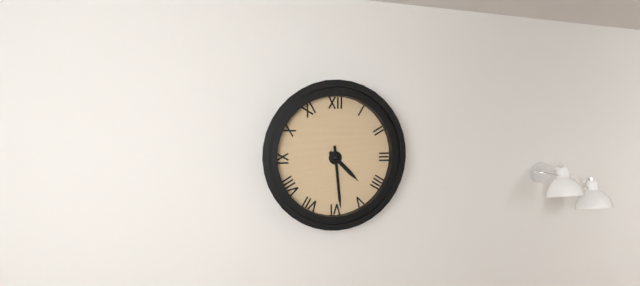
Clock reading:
**4:29**
